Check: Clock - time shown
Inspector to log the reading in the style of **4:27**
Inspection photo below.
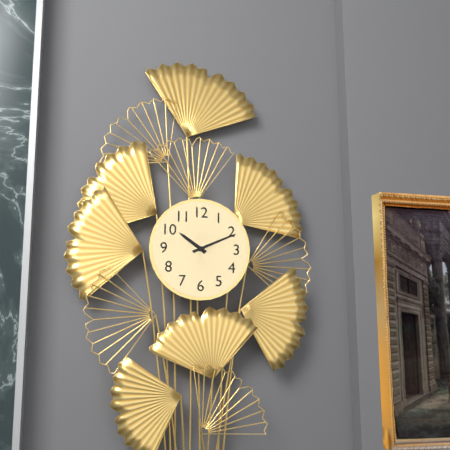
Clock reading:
**10:11**
